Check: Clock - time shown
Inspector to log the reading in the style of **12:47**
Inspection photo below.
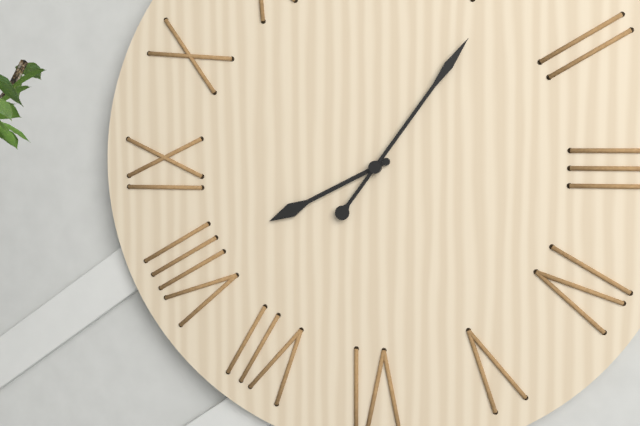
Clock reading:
**8:06**
